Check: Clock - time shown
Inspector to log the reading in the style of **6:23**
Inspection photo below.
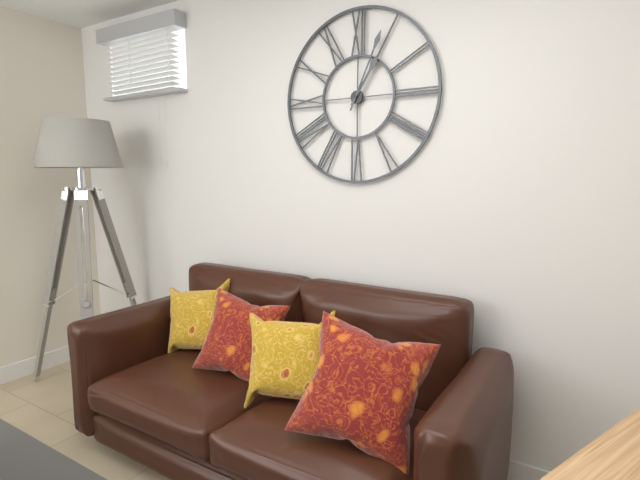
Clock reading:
**1:04**
